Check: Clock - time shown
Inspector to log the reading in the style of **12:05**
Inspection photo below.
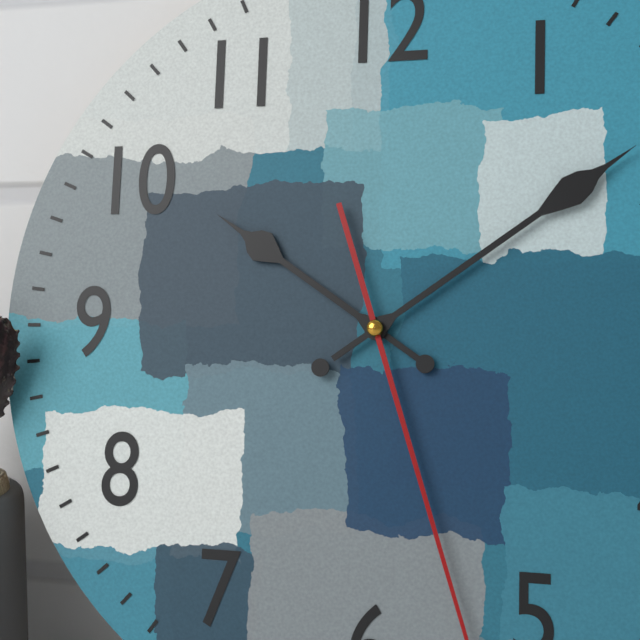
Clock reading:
**10:09**
